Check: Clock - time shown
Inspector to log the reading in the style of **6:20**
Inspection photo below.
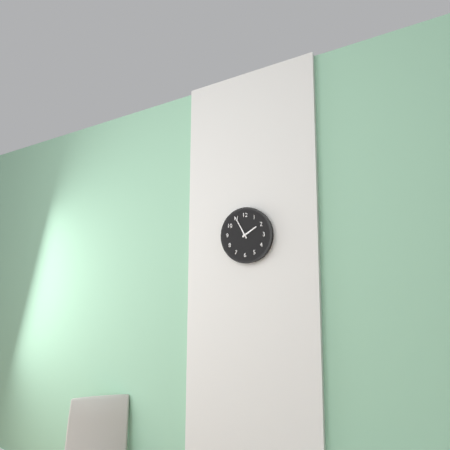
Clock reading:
**1:55**
